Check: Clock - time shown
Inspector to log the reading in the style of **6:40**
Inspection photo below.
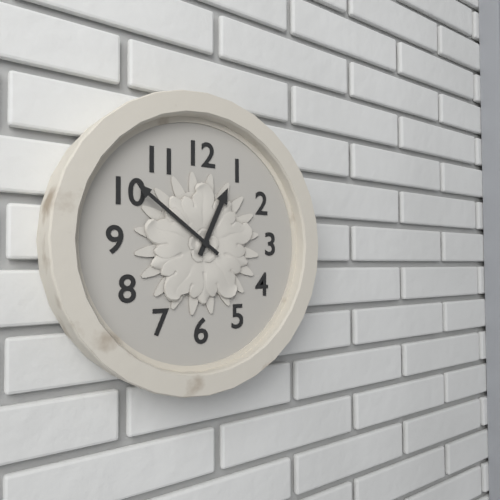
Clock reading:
**12:51**
